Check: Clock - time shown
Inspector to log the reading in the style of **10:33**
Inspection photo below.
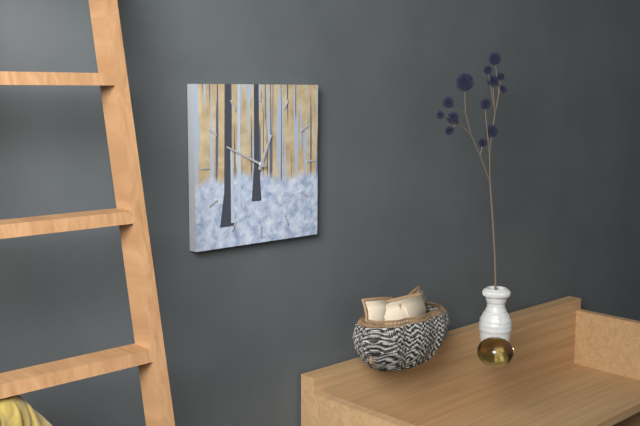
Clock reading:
**12:49**
